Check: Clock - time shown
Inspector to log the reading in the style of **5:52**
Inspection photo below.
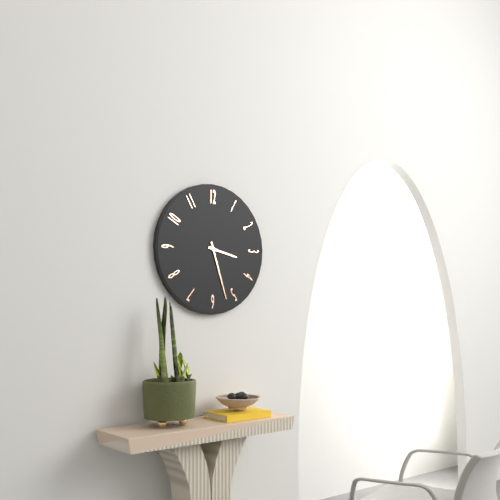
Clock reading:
**3:27**
